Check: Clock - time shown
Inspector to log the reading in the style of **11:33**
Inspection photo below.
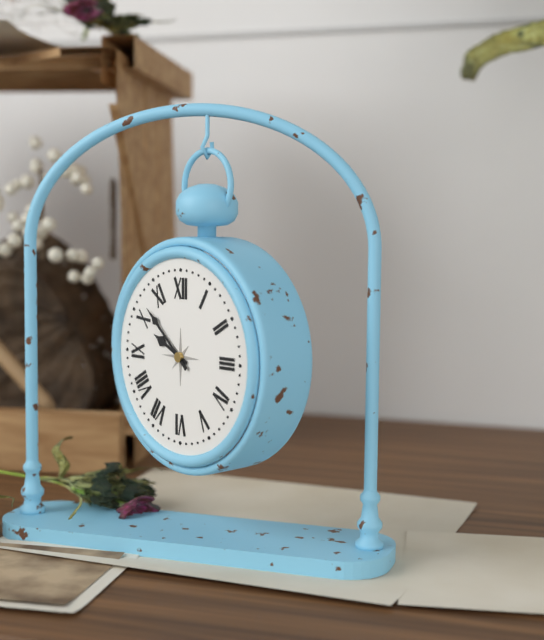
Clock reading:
**9:52**
